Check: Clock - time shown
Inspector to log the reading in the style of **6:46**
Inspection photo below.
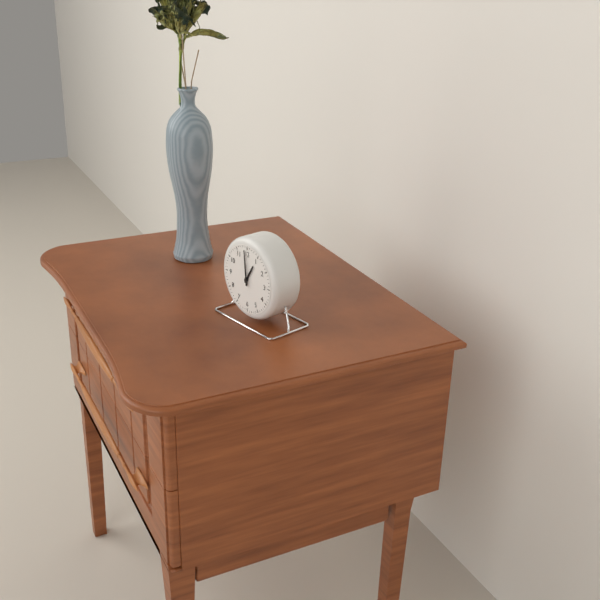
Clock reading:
**12:59**
